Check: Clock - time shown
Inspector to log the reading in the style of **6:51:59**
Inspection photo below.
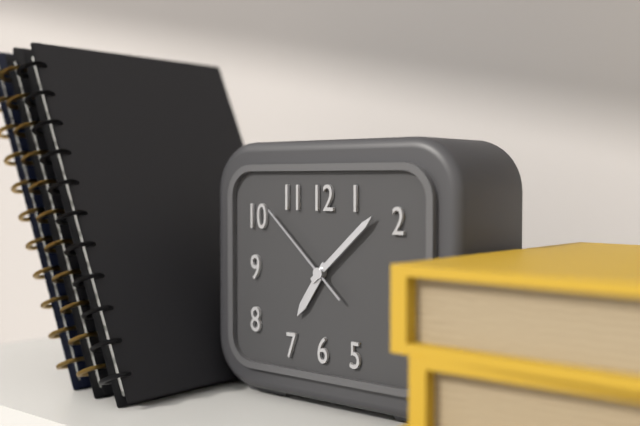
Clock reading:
**7:08:52**
